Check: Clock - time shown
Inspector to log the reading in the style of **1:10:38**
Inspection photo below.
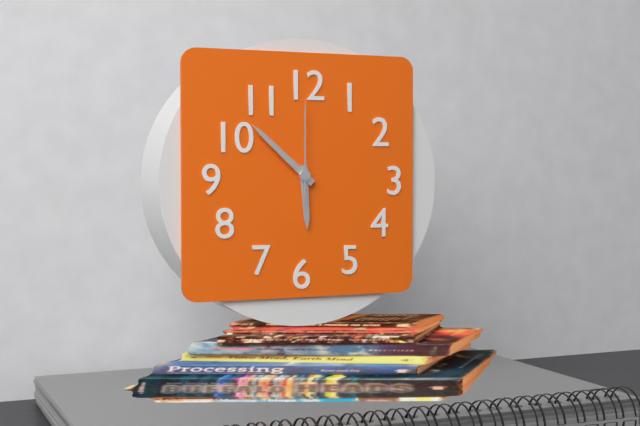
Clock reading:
**5:52:00**
